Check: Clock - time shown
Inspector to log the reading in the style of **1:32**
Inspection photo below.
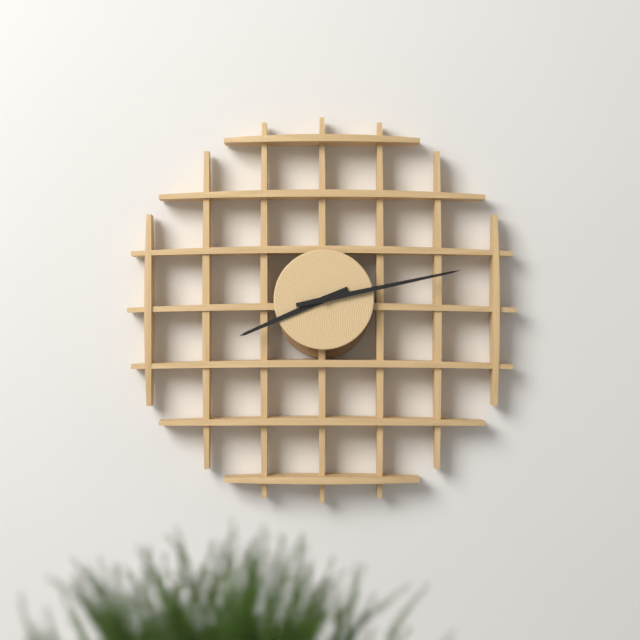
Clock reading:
**8:13**
